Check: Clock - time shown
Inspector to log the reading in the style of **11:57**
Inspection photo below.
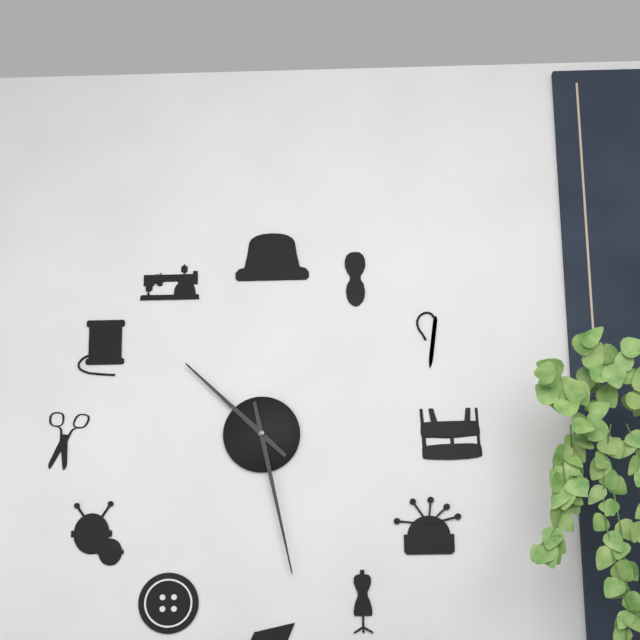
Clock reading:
**10:28**
